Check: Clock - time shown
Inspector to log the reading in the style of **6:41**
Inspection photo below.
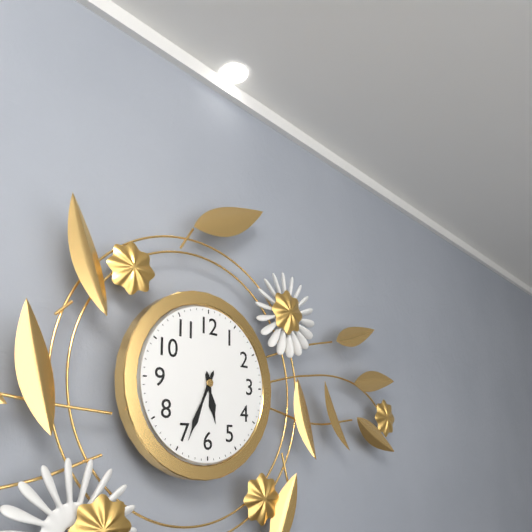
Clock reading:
**5:34**
